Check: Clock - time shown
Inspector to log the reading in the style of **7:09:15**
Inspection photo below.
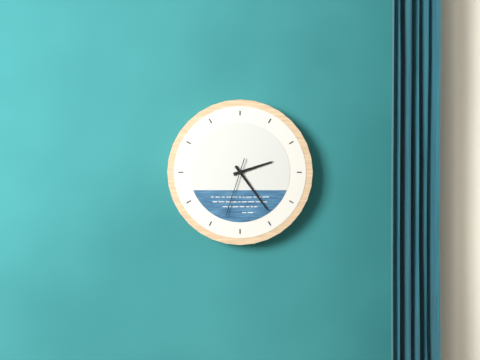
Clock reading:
**2:24:33**
